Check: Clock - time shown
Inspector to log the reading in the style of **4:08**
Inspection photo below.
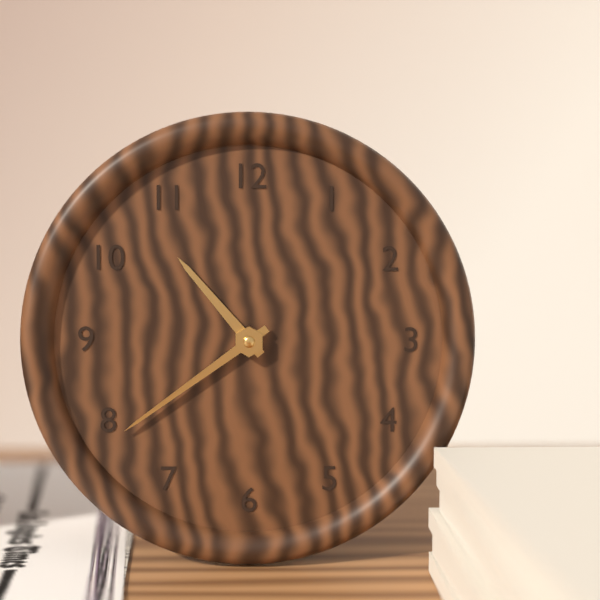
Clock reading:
**10:39**
